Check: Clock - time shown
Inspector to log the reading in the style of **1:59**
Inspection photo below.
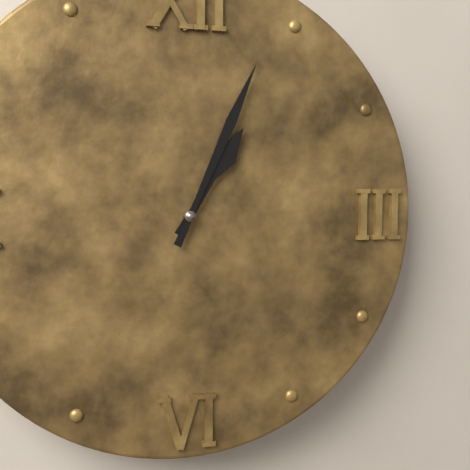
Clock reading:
**1:04**
